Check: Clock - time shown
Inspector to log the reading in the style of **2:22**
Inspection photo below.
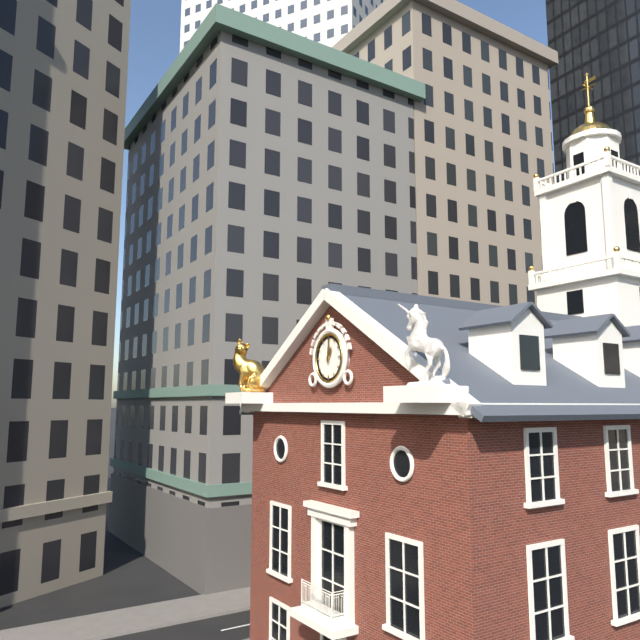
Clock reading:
**1:01**
